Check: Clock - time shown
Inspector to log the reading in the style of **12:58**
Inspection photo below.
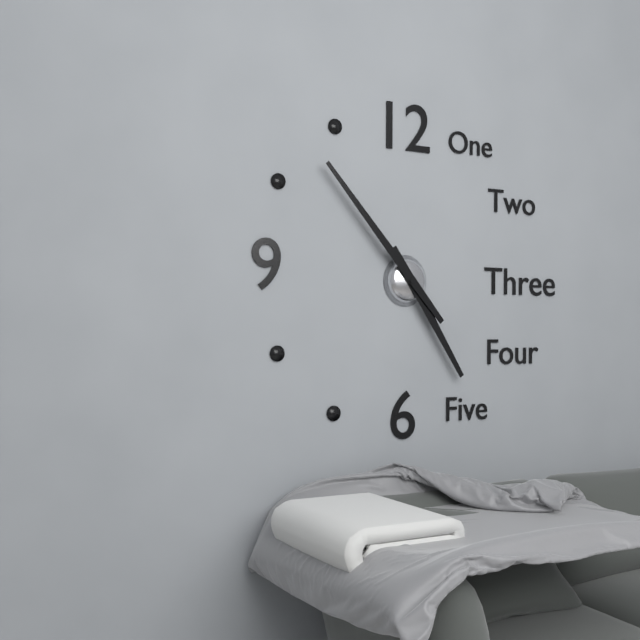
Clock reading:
**4:53**
